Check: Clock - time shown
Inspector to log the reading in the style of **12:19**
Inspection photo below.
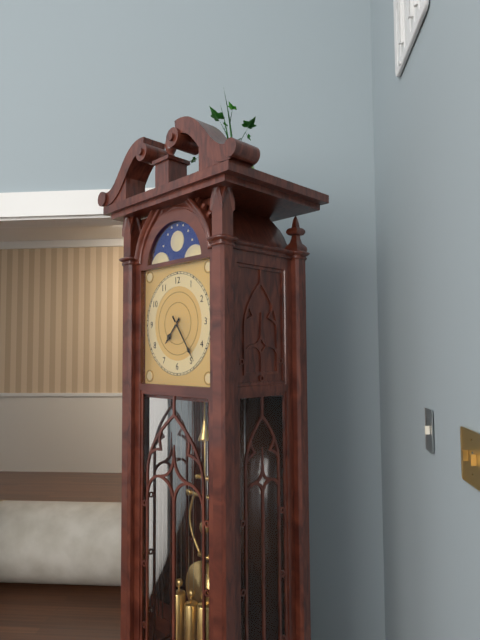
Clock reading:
**7:24**
